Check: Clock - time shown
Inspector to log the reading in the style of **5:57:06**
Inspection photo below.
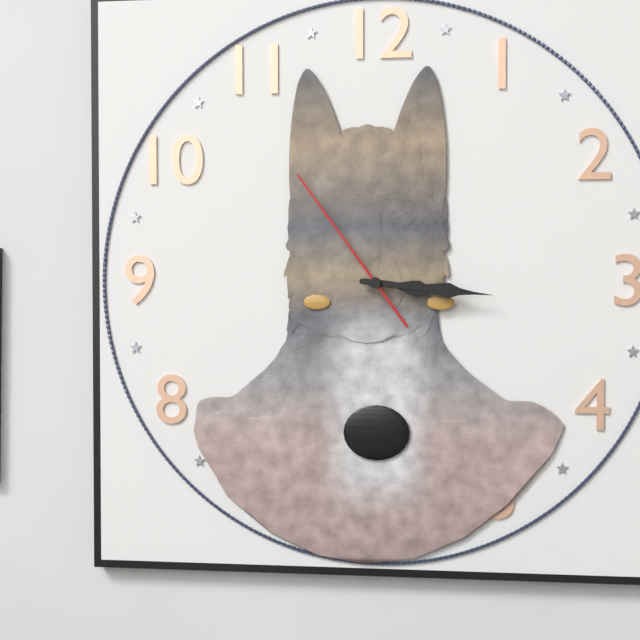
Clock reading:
**3:16:54**
